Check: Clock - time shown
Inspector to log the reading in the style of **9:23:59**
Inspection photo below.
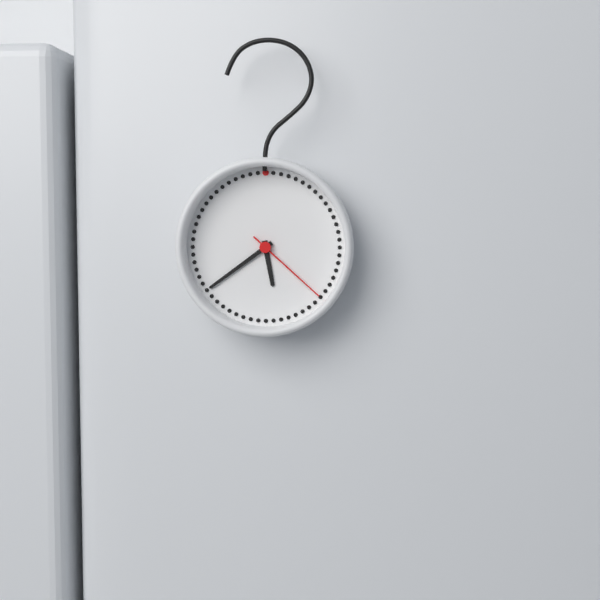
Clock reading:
**5:39:22**
